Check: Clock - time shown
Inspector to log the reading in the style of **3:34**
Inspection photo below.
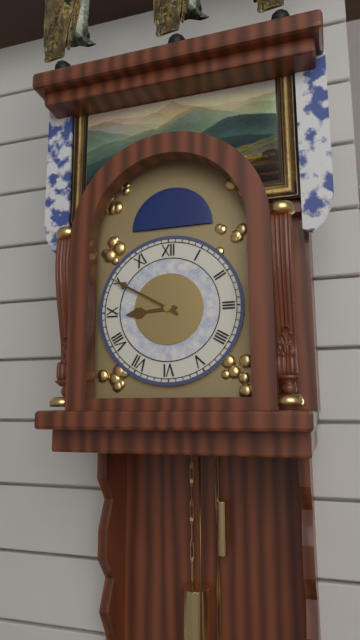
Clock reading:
**8:50**
